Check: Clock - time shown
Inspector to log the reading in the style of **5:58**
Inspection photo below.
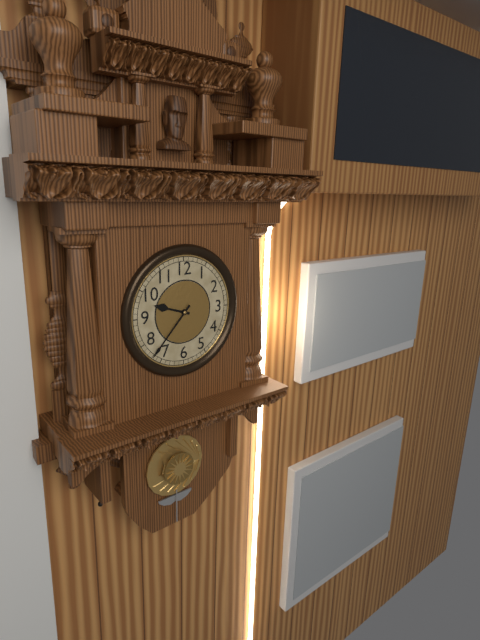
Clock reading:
**9:37**
